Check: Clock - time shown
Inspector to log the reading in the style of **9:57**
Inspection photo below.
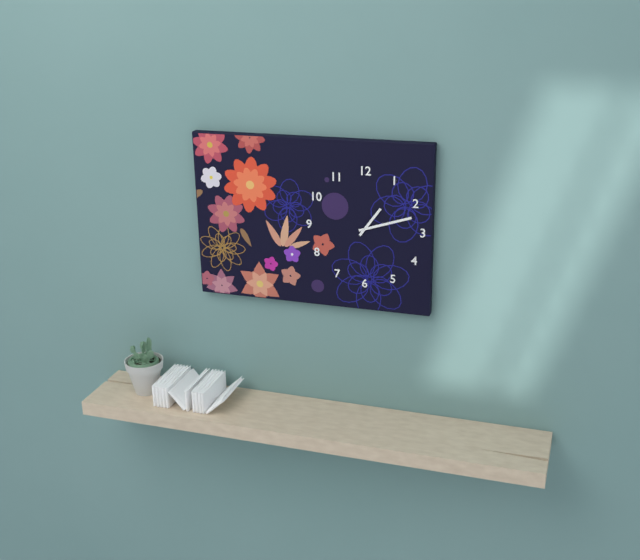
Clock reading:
**1:12**
